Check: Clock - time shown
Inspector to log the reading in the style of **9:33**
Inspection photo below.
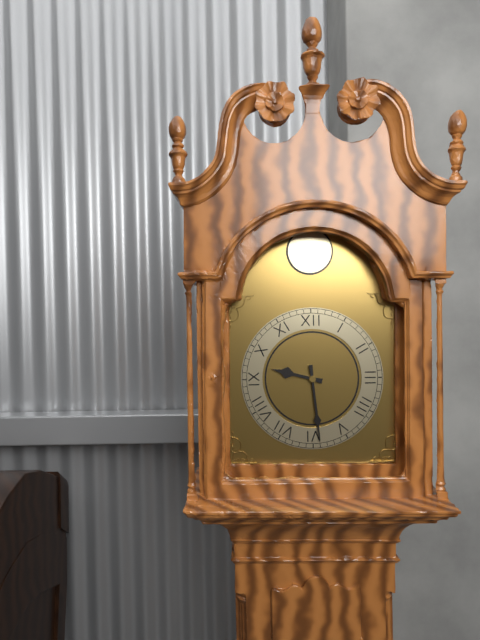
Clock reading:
**9:29**
